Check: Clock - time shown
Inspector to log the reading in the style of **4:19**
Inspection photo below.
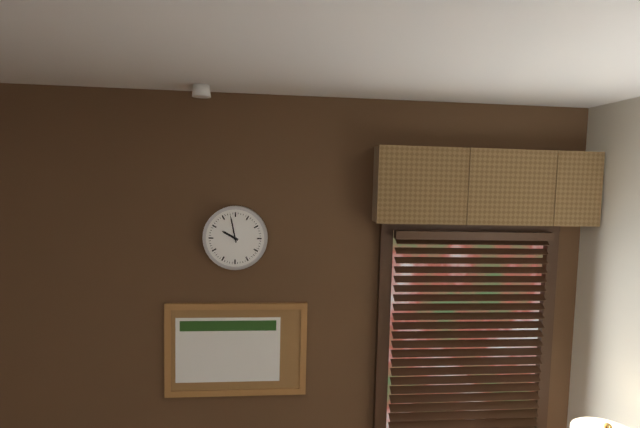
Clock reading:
**9:58**
